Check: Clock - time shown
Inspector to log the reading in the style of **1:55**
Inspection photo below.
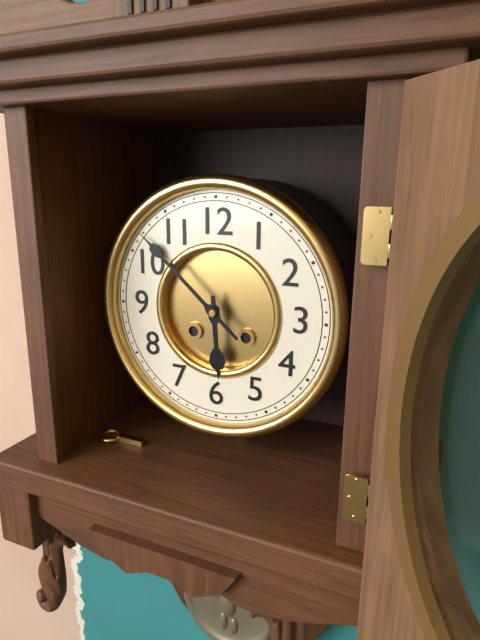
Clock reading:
**5:52**
